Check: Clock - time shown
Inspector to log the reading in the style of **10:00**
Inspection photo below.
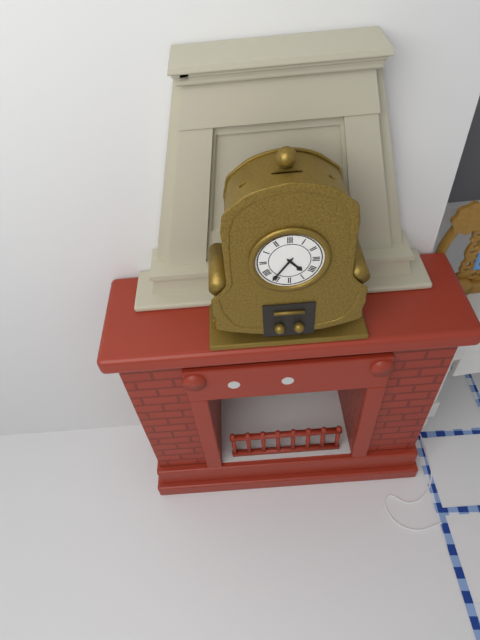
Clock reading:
**4:36**
